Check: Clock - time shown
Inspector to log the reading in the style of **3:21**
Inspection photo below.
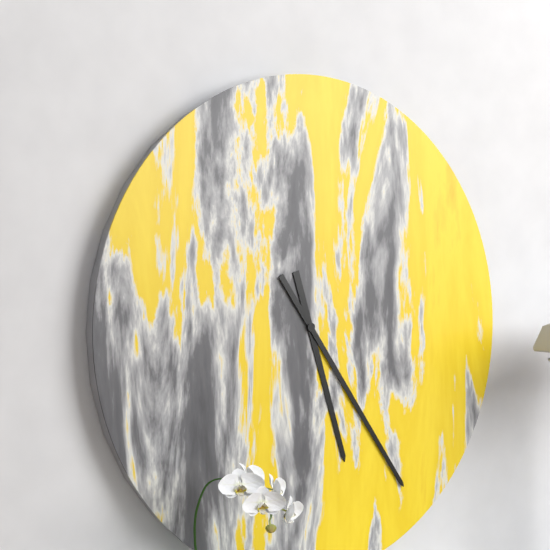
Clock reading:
**5:24**
